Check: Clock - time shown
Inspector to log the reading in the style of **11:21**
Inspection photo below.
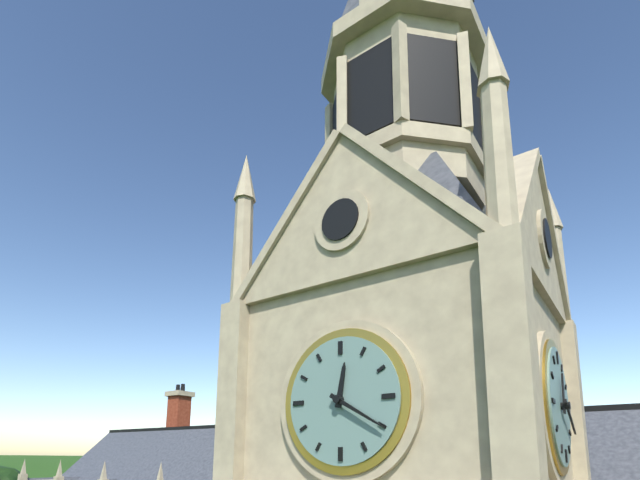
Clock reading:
**12:20**
